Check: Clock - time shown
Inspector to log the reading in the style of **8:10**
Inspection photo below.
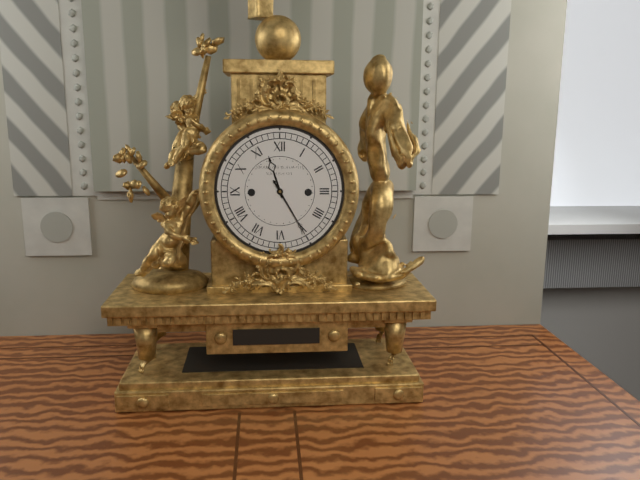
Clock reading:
**11:25**
